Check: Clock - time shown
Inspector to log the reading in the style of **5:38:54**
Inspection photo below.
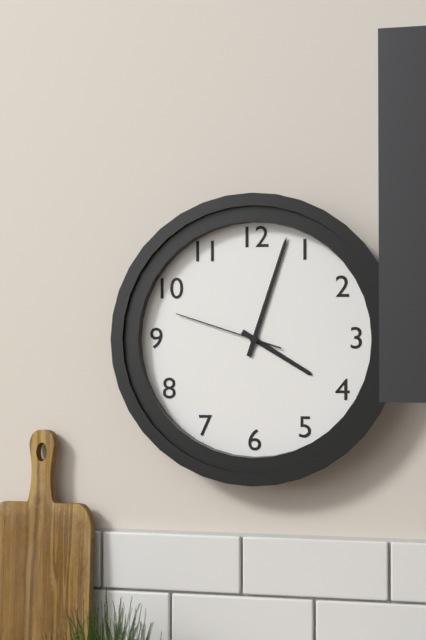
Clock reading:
**4:03:48**
